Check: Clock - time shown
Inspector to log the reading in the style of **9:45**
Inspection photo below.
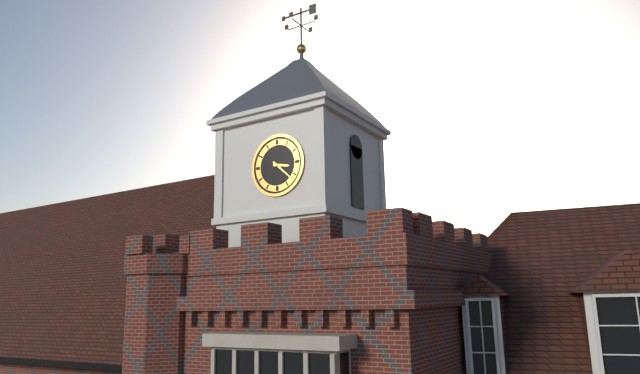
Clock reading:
**3:22**
